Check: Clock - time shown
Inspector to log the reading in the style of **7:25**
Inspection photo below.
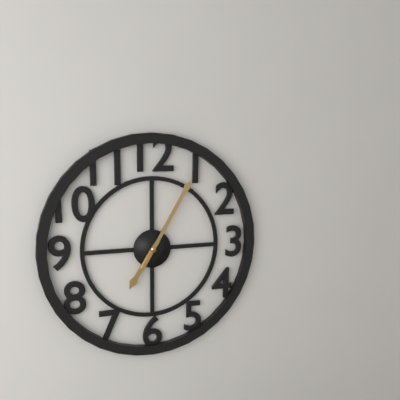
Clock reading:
**7:05**
